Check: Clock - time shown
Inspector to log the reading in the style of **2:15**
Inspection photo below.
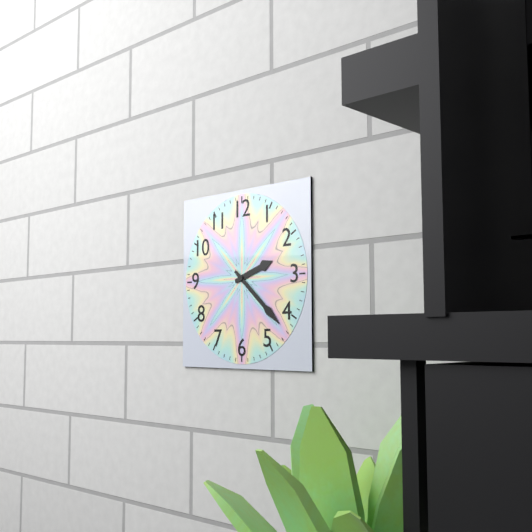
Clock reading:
**2:22**
